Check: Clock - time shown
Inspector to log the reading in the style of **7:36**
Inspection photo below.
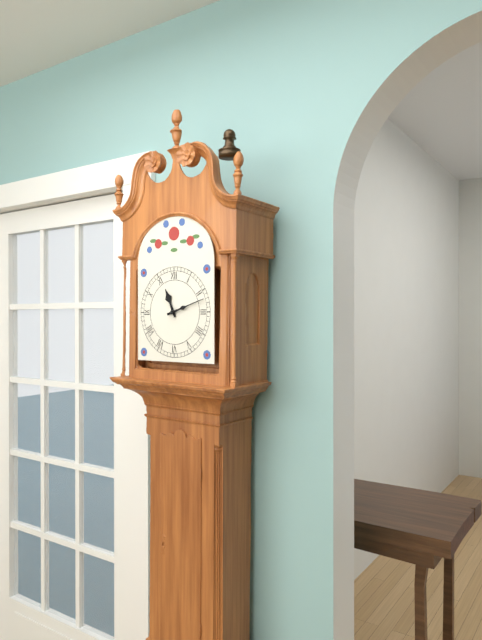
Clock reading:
**11:12**
